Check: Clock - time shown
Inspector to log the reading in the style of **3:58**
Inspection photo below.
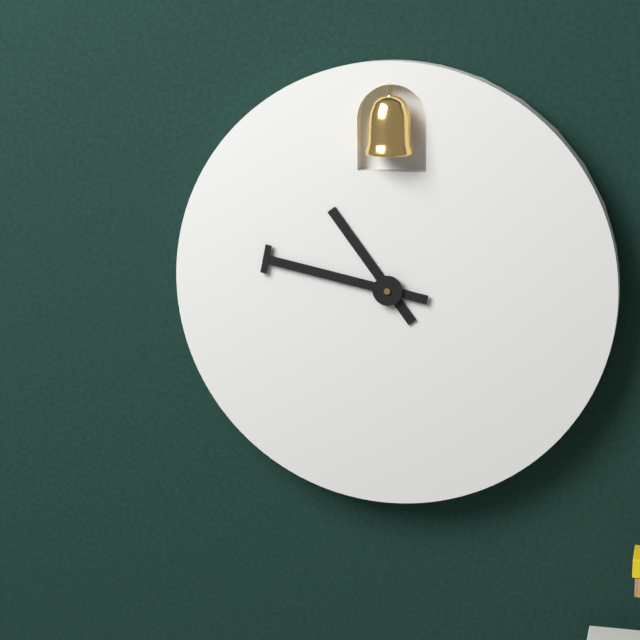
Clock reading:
**10:47**
